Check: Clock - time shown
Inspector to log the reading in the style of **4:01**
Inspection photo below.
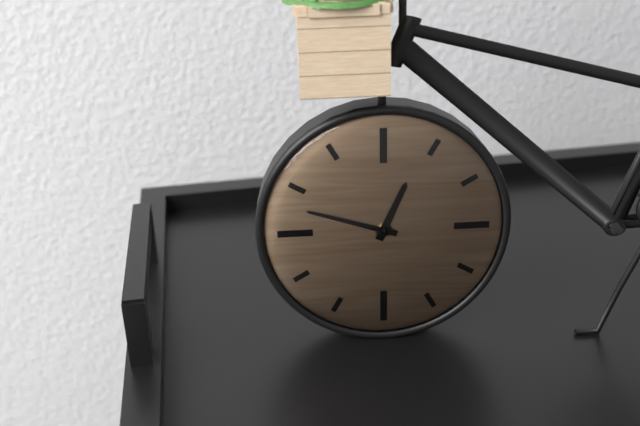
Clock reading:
**12:48**
